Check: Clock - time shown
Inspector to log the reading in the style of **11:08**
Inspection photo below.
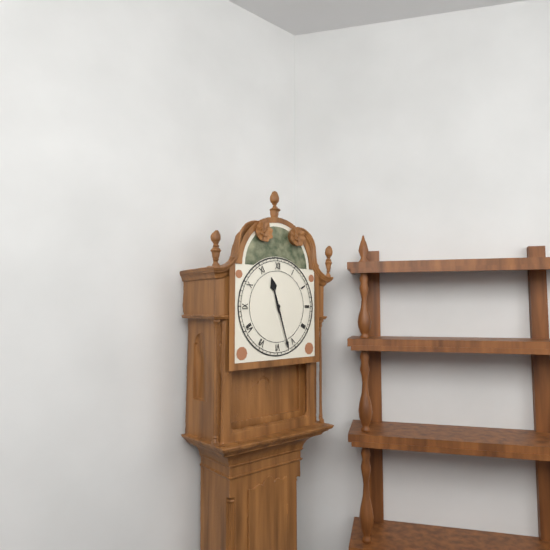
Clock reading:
**11:27**
